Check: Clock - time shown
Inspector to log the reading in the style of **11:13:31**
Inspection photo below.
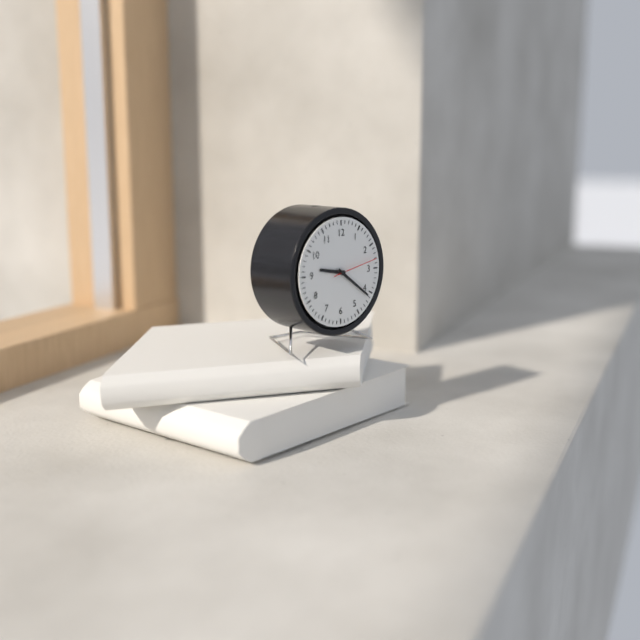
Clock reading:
**9:21:13**
